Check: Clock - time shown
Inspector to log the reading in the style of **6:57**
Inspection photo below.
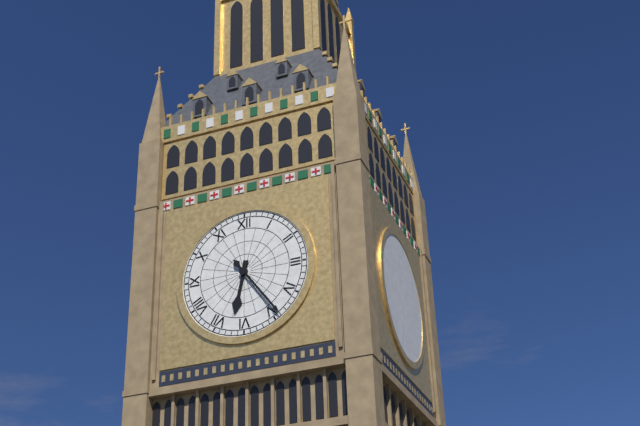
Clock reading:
**6:24**
